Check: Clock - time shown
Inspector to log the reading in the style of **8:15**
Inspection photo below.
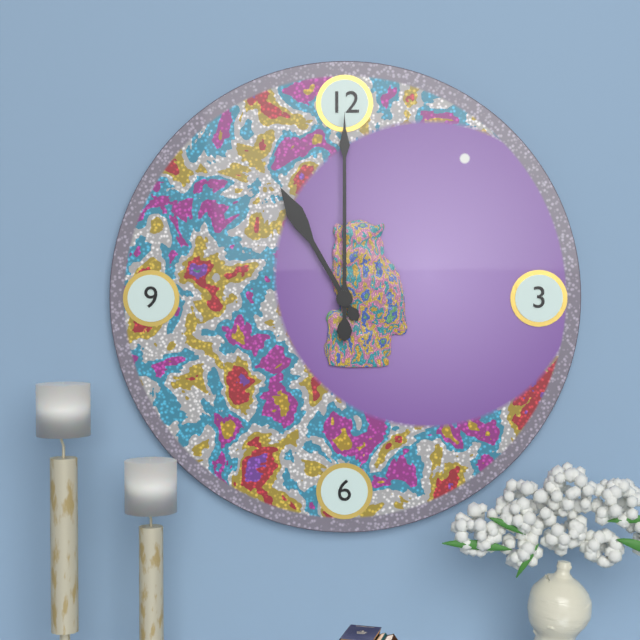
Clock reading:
**11:00**
